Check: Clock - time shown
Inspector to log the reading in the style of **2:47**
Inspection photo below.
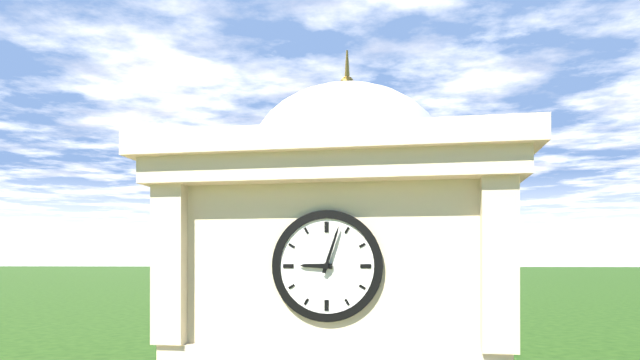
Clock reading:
**9:03**
